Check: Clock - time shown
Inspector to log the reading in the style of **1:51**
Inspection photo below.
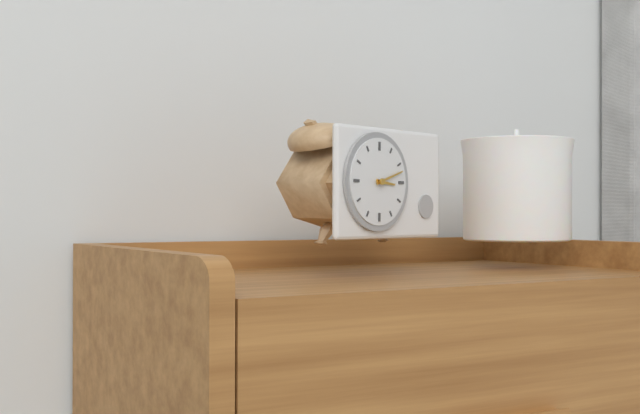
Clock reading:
**3:12**
